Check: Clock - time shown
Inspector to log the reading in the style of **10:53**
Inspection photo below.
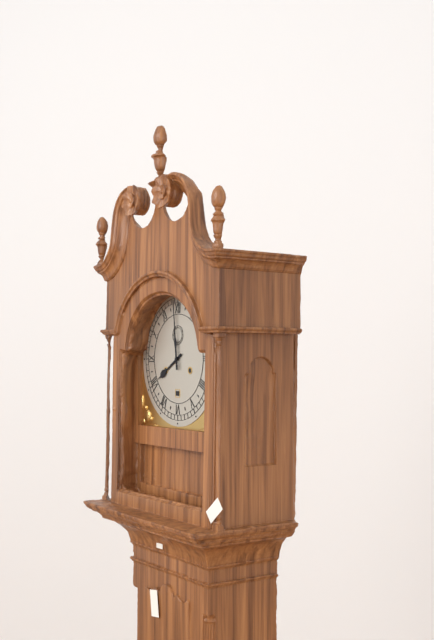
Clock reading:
**7:59**
